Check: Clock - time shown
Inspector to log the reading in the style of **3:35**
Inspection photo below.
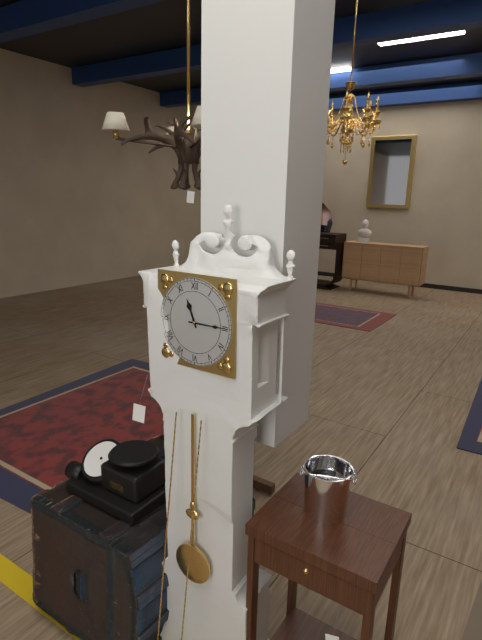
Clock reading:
**11:15**
